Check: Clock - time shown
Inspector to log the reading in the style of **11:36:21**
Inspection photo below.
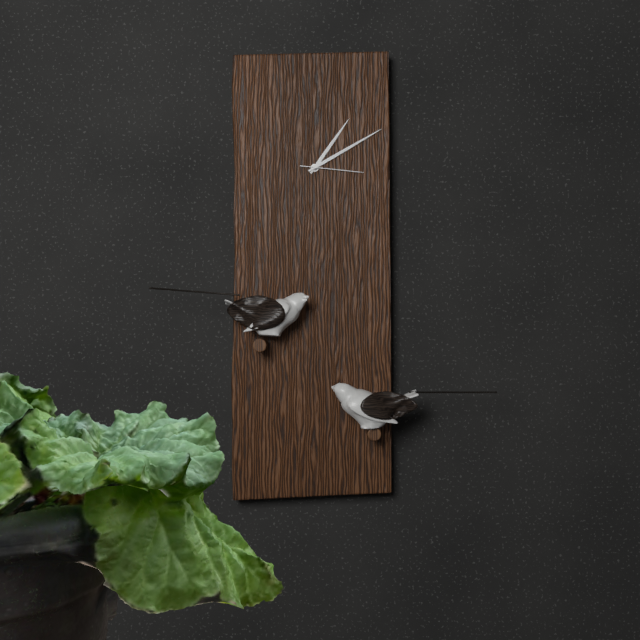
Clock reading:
**1:10:16**
